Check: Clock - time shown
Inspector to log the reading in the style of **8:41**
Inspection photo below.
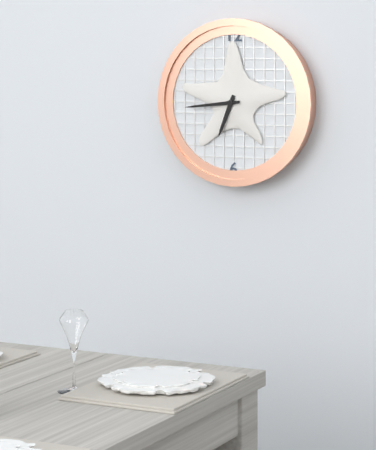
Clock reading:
**6:44**
